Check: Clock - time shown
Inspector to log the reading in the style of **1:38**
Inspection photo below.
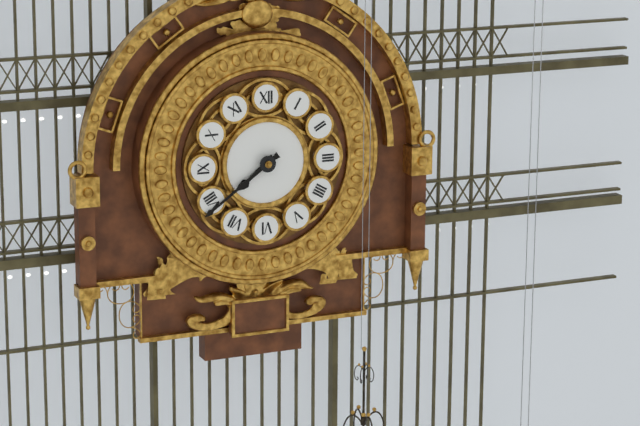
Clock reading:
**7:39**
